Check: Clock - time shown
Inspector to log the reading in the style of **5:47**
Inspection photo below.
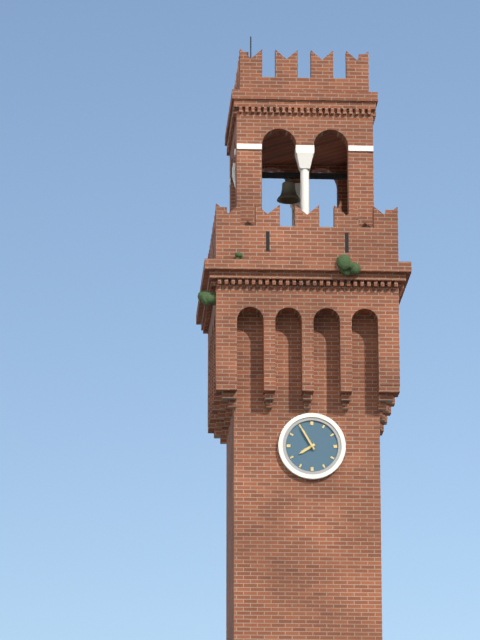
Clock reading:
**7:55**
